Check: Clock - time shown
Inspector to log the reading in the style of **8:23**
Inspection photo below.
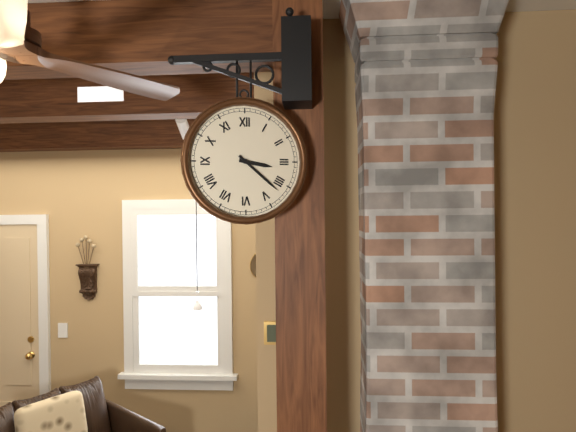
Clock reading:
**3:22**
